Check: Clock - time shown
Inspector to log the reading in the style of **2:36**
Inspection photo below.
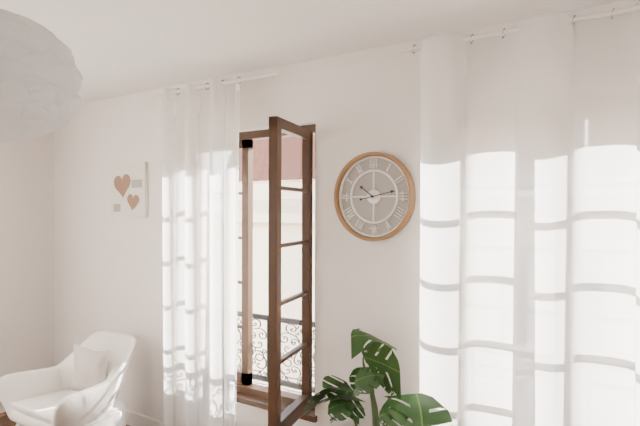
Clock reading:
**10:13**
